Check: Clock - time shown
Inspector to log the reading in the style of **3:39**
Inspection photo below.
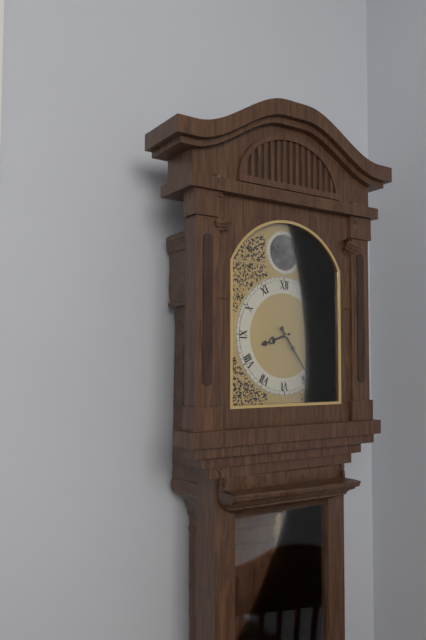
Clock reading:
**8:24**
